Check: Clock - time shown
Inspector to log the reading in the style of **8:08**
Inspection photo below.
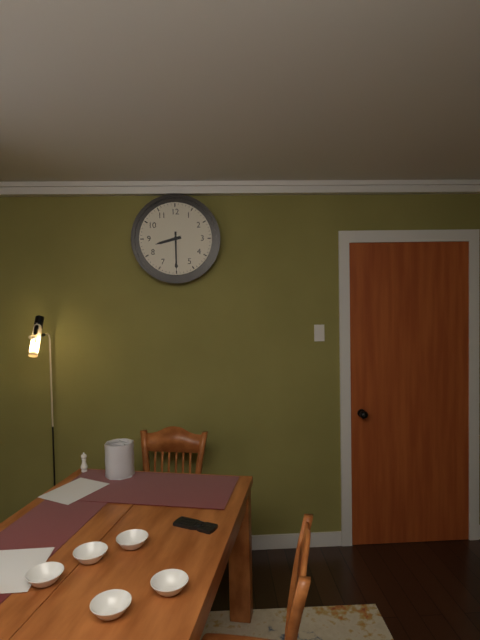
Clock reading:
**8:30**
